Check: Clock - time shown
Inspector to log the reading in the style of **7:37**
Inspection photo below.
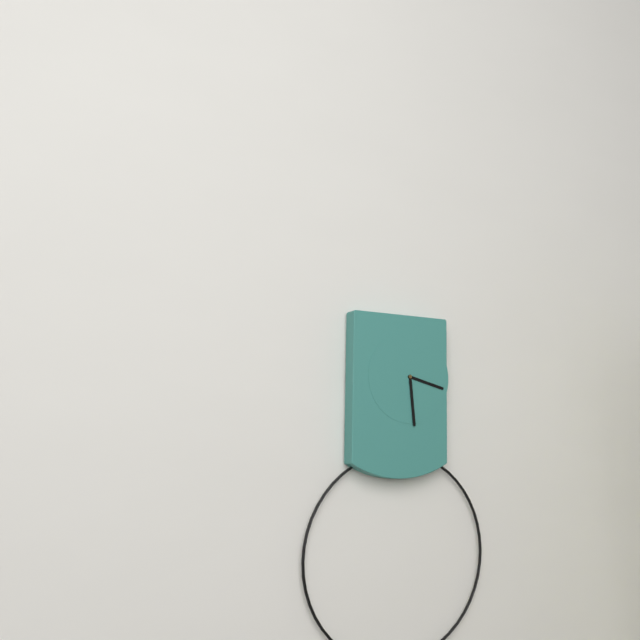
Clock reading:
**3:29**
